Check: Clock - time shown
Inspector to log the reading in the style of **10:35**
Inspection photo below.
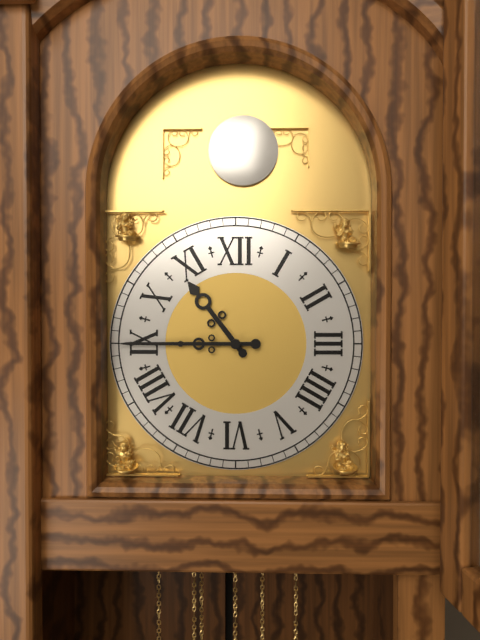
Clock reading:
**10:45**
